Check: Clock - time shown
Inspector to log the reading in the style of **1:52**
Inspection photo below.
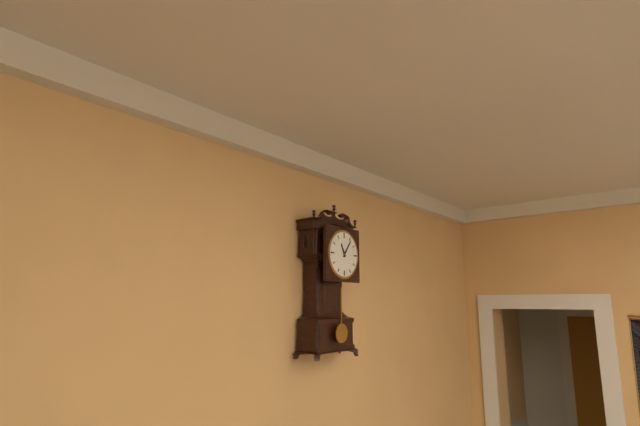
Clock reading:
**11:06**
